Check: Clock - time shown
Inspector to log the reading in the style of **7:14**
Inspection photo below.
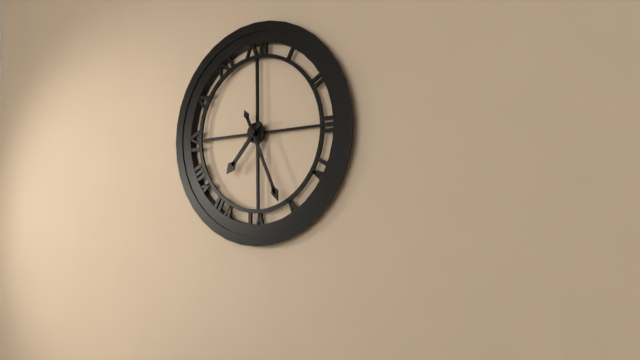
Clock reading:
**7:26**
